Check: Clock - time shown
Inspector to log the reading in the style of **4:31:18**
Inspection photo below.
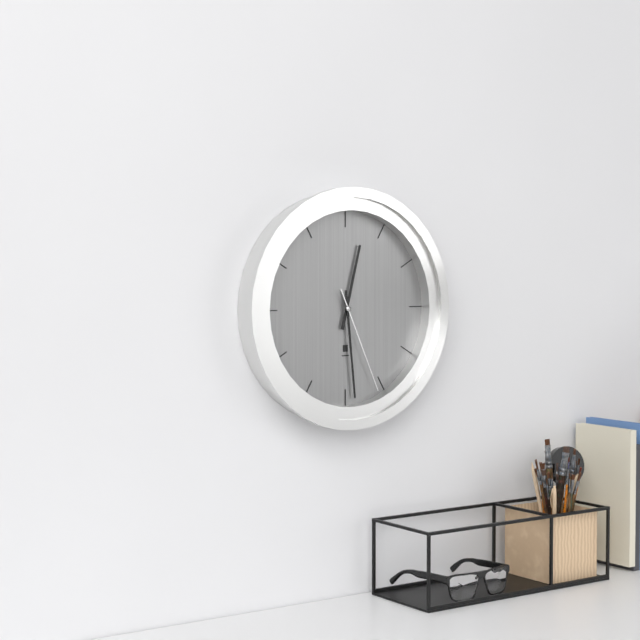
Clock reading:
**12:29:26**
